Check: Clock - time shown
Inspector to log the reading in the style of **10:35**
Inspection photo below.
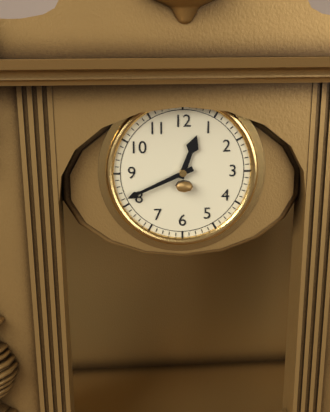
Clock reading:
**12:41**
